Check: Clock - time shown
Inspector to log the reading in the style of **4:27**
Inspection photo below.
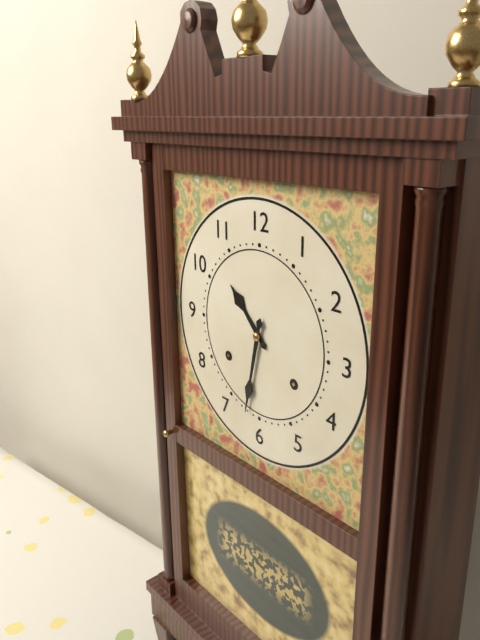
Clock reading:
**10:32**
